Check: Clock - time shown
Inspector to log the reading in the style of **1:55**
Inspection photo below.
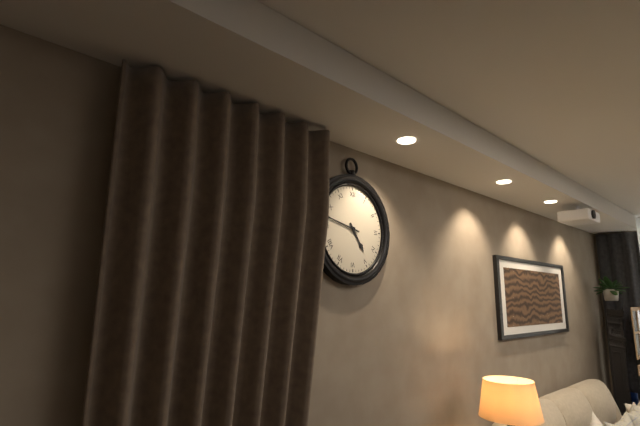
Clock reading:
**4:47**
